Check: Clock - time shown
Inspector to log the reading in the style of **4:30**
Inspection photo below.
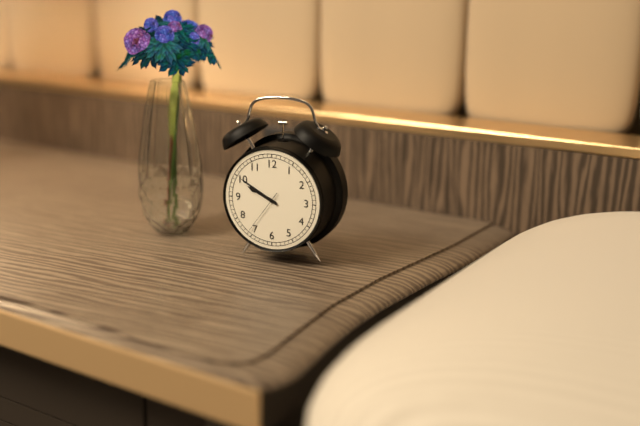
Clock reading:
**9:50**
